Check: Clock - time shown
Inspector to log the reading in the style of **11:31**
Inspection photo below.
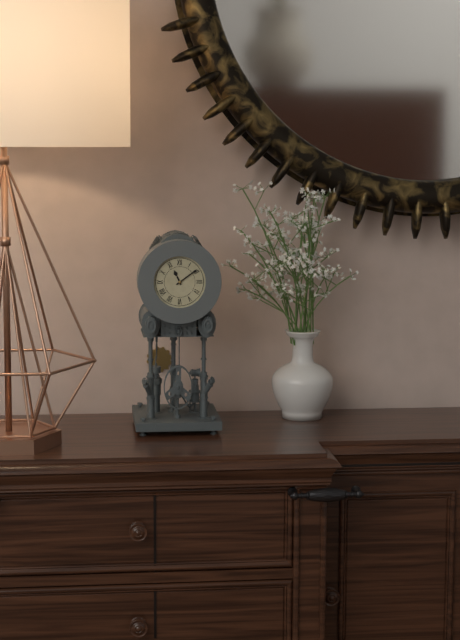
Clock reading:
**11:09**
